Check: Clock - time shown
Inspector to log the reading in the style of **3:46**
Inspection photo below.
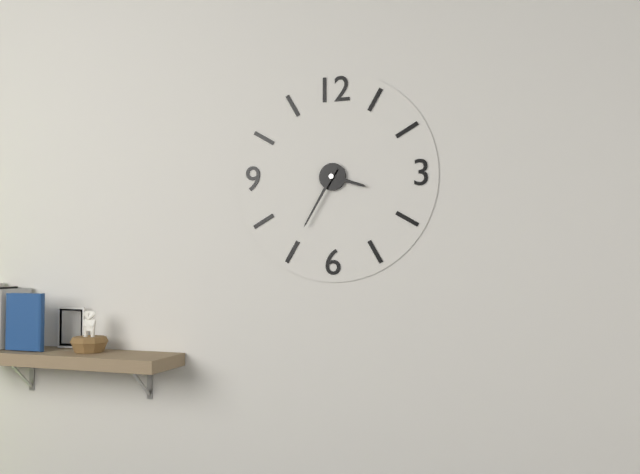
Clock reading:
**3:35**
